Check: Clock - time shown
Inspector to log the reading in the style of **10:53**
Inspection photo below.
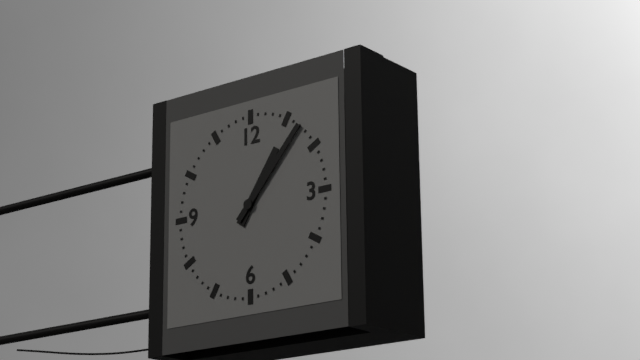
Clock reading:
**1:07**
